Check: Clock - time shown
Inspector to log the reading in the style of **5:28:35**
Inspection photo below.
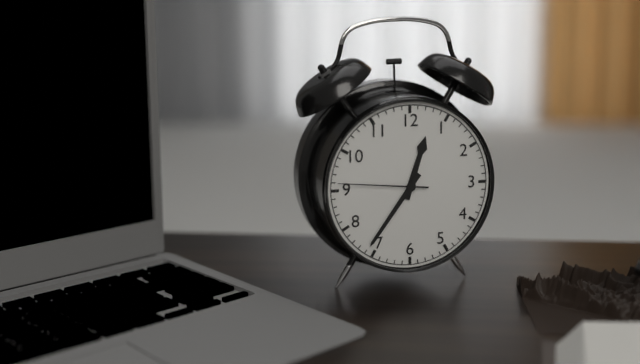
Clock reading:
**12:36:46**
